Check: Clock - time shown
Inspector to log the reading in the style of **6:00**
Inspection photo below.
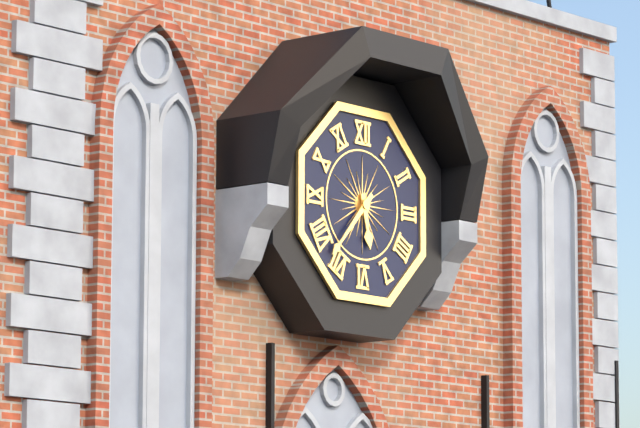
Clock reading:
**5:37**
